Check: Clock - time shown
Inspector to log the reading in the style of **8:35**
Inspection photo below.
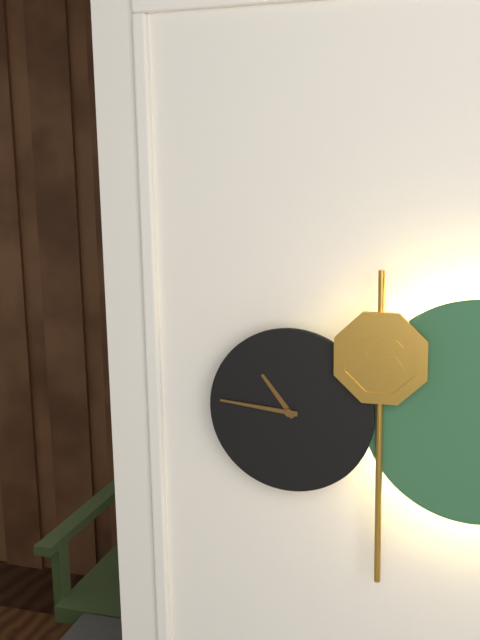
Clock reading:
**10:46**
